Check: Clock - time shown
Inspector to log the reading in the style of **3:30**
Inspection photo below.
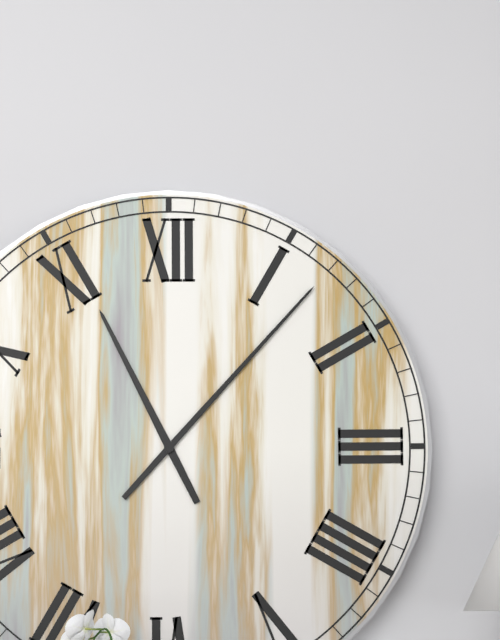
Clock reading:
**11:07**
